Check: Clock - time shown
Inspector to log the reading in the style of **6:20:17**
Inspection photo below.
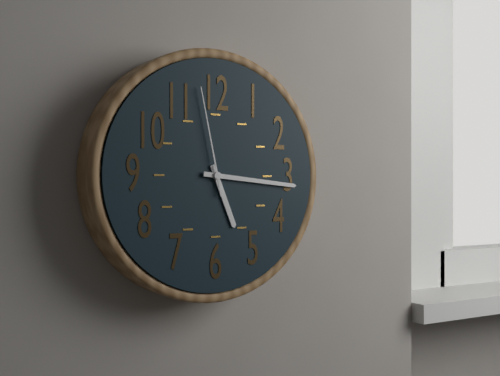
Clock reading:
**5:16:58**
